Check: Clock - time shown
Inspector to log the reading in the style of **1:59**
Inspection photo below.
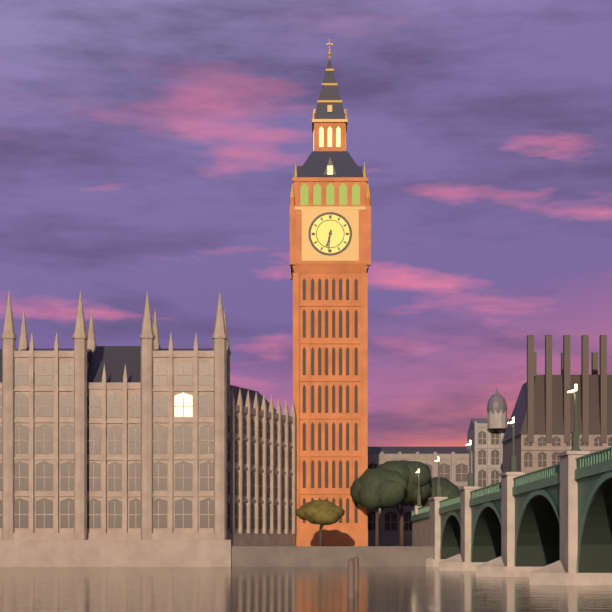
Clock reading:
**6:31**
